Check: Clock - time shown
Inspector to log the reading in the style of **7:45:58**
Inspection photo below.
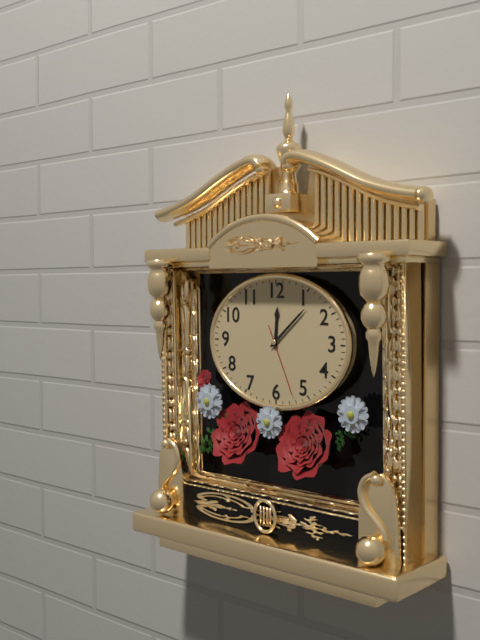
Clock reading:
**12:08:26**
